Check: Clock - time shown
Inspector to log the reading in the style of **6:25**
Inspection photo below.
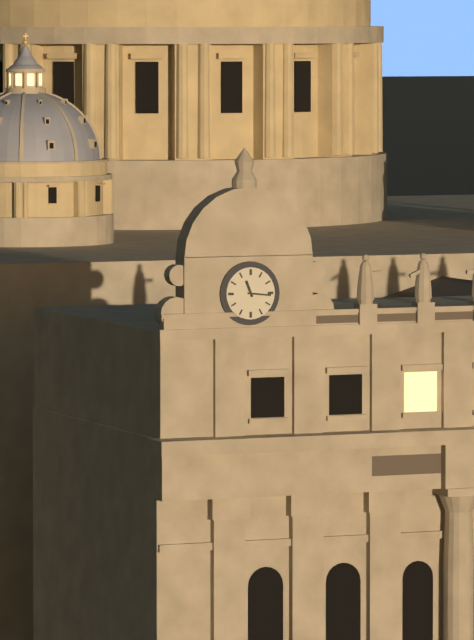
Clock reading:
**11:16**
